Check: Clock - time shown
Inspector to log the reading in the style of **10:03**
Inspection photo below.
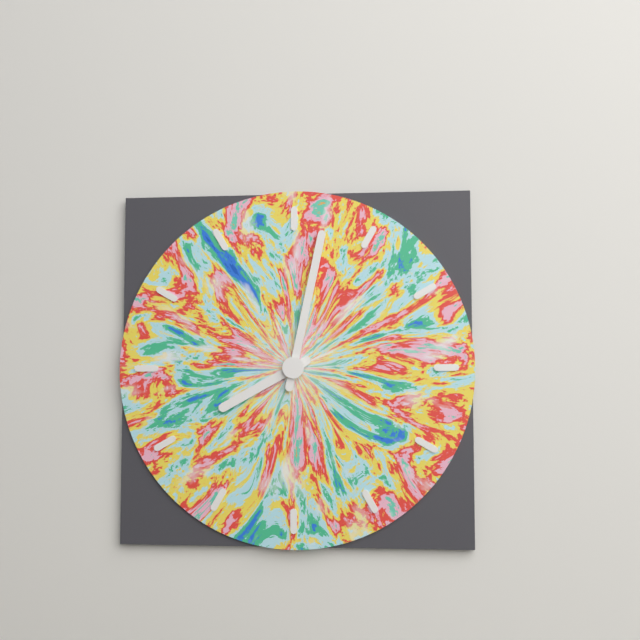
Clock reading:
**8:02**
